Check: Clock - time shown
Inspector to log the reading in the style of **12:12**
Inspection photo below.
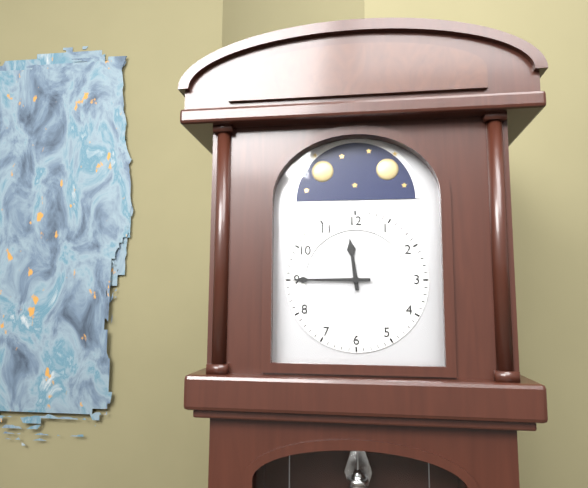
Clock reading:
**11:45**
